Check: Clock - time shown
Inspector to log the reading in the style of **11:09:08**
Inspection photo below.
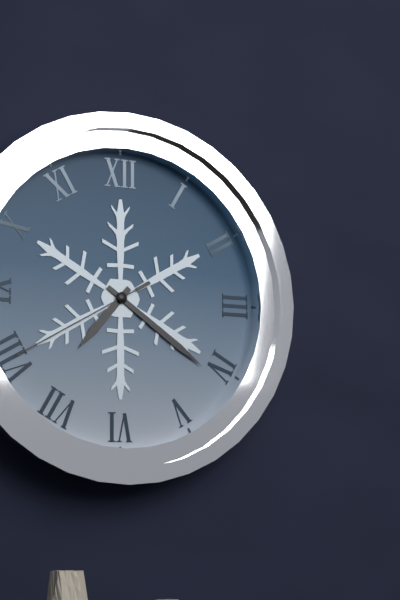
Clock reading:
**7:21:40**
